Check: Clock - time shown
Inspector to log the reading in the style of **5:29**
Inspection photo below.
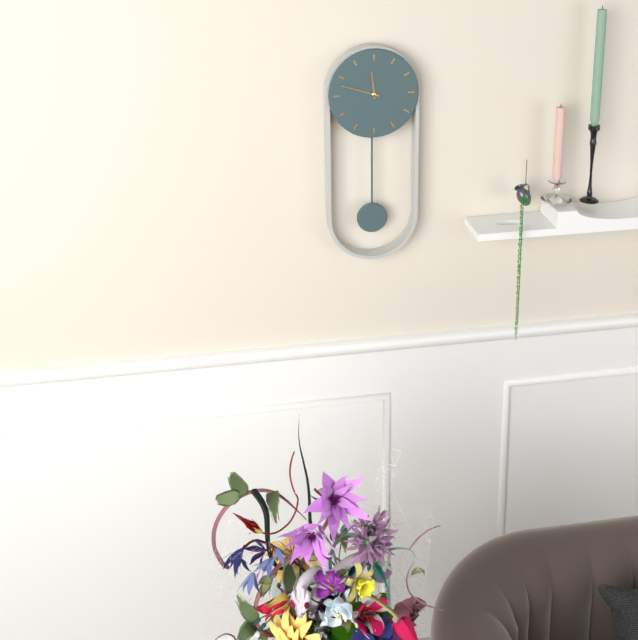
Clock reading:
**11:48**
